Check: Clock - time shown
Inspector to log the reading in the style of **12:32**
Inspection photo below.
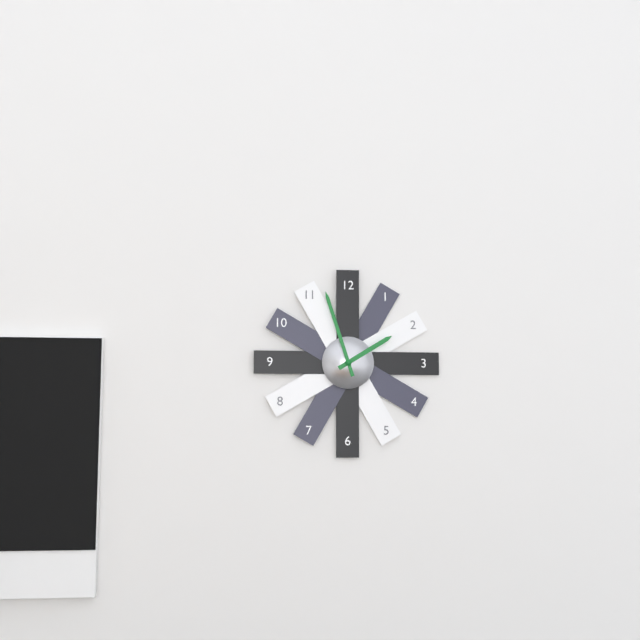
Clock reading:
**1:57**
